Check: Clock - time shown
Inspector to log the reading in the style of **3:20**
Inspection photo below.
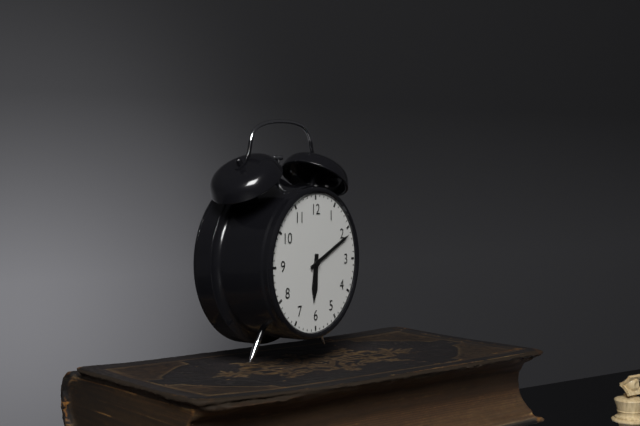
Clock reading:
**6:11**
